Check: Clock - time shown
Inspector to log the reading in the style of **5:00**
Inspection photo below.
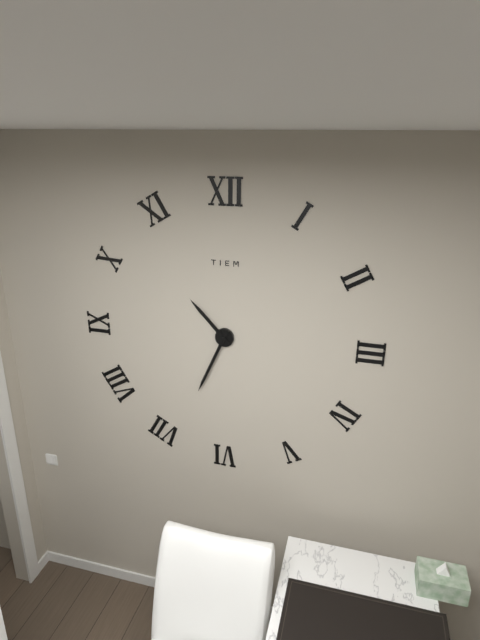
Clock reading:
**10:34**
